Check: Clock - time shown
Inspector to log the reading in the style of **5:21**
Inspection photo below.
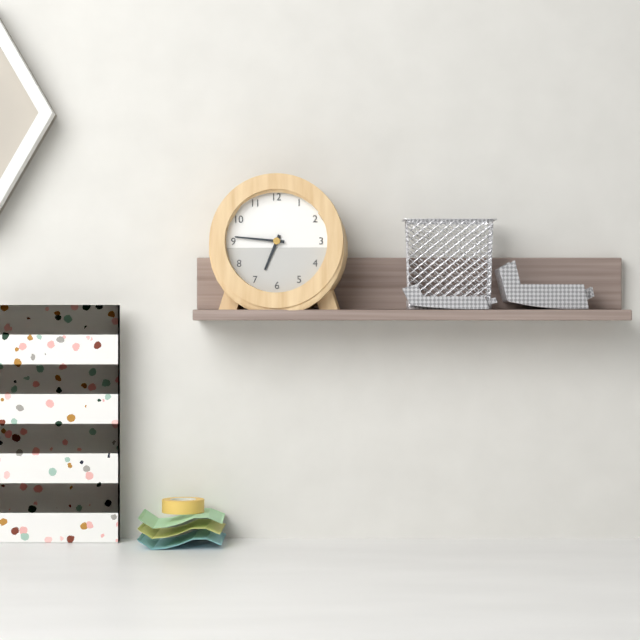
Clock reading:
**6:46**
